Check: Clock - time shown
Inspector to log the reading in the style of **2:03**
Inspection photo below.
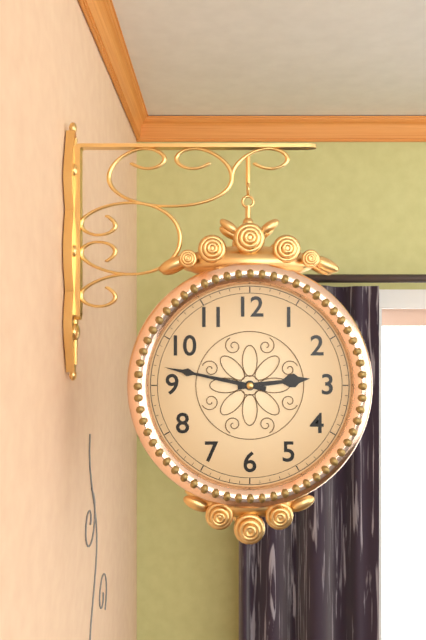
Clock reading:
**2:47**
